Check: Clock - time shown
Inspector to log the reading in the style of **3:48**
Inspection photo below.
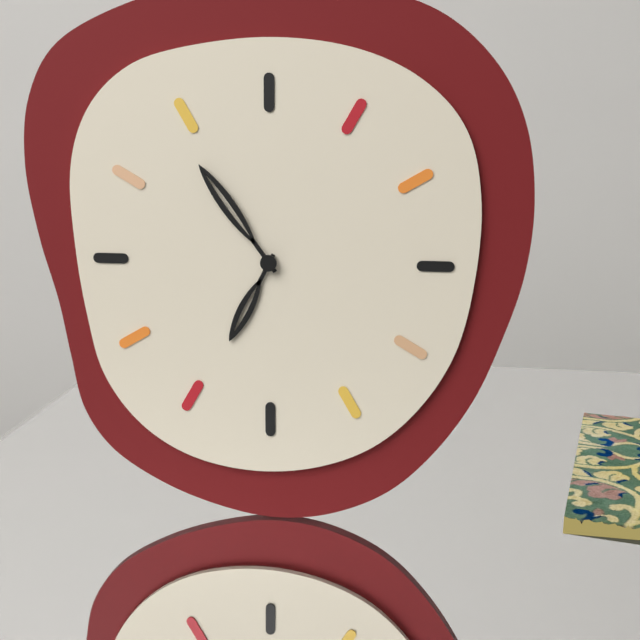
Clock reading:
**6:54**
